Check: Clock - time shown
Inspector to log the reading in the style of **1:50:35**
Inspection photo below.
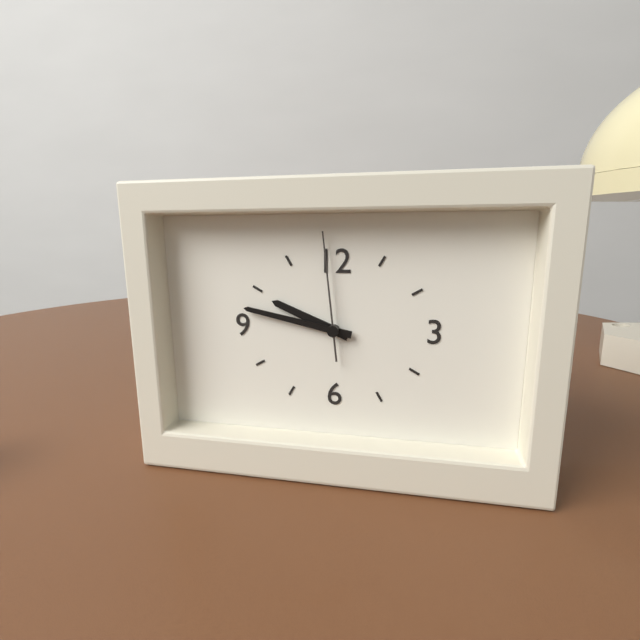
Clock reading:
**9:47:59**
